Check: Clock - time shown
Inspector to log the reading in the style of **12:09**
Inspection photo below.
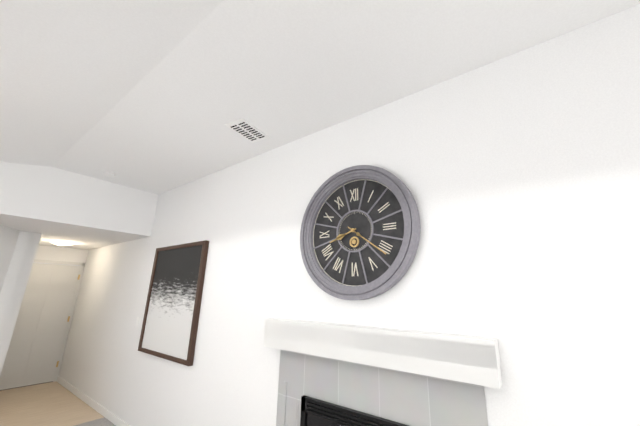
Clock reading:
**8:21**
